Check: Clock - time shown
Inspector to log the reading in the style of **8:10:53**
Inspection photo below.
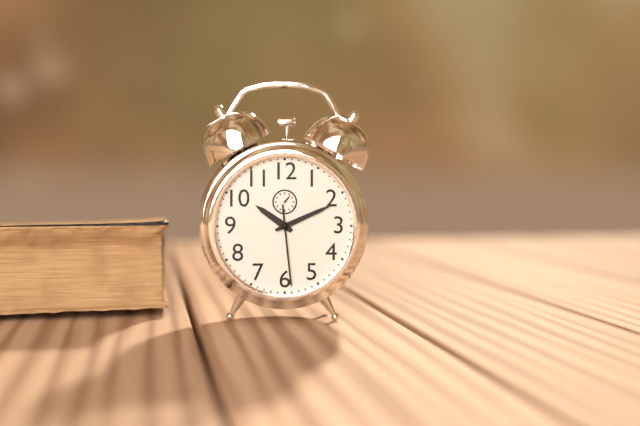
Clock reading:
**10:11:29**
